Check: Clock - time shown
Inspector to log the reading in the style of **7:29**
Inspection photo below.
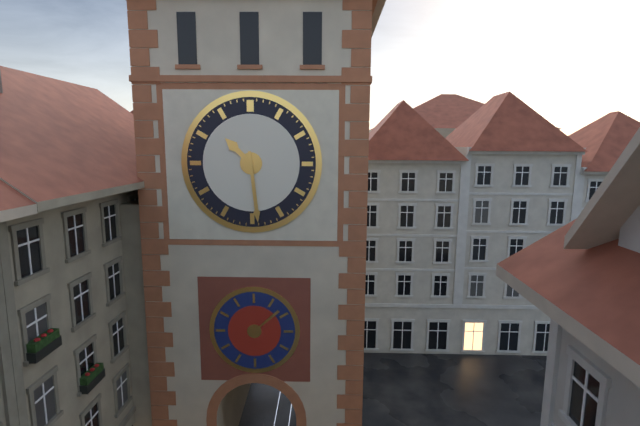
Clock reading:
**10:29**
